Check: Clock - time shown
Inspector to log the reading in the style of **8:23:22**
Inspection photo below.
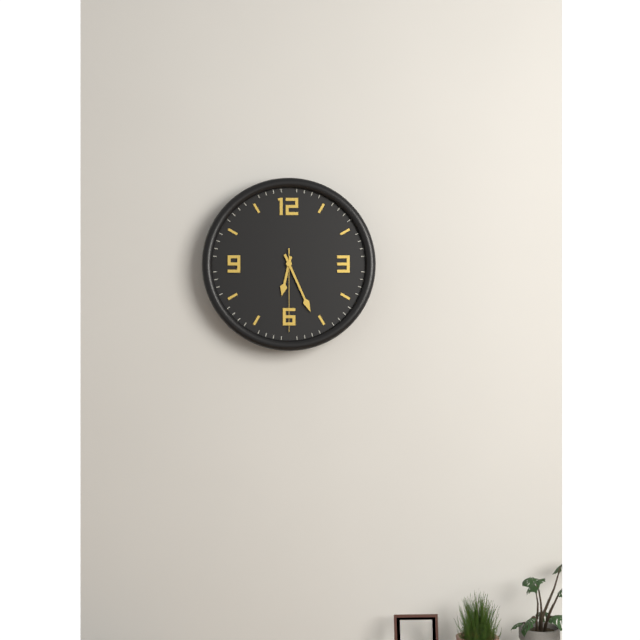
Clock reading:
**6:26:30**
